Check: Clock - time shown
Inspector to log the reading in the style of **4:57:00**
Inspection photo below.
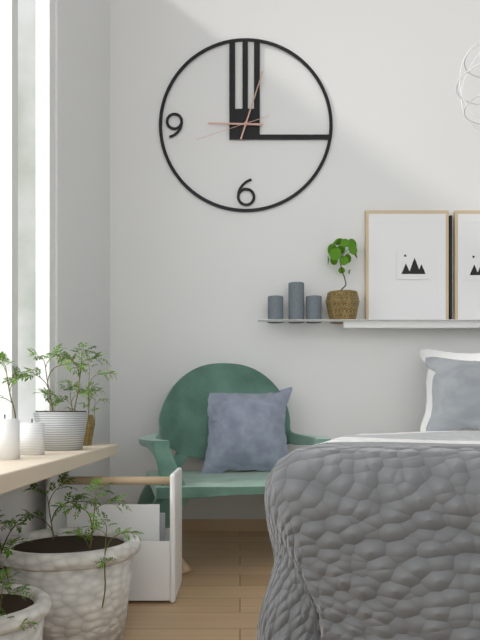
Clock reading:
**9:03:42**
